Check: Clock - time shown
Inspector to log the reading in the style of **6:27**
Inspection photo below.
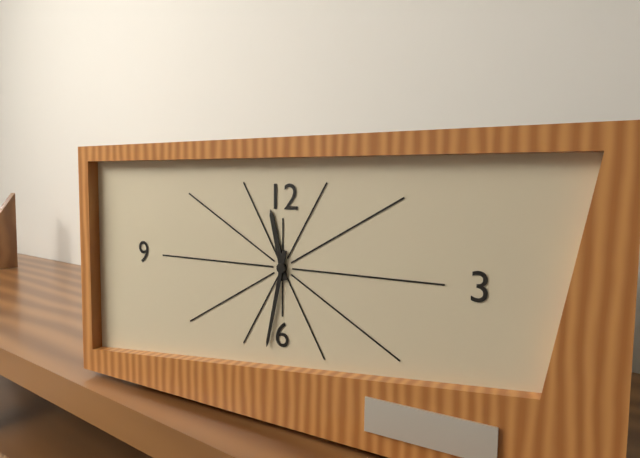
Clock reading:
**11:32**
